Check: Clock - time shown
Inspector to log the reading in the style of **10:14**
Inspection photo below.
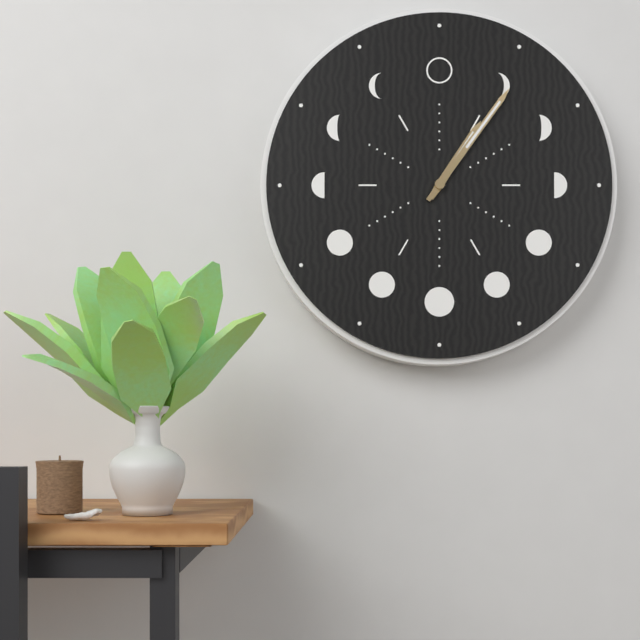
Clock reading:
**1:06**
